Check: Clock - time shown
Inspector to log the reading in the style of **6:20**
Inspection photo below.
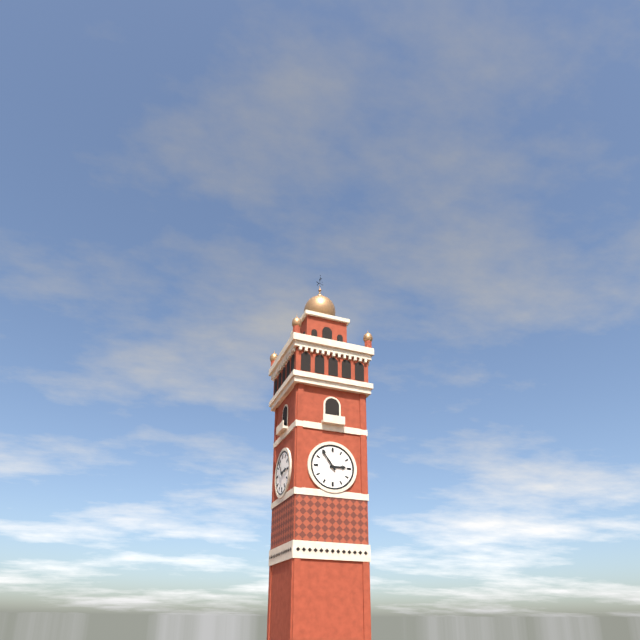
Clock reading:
**2:54**
